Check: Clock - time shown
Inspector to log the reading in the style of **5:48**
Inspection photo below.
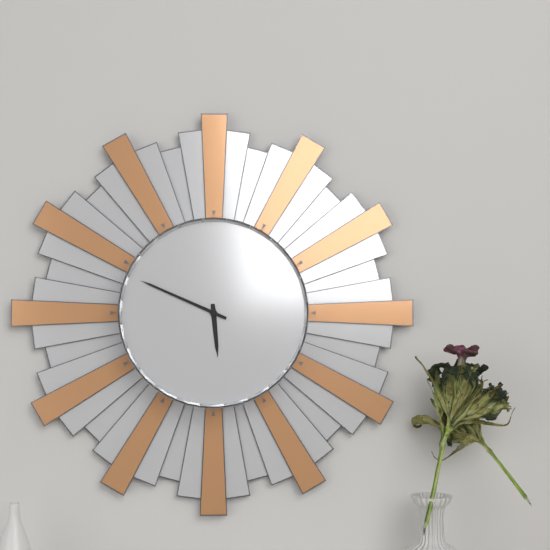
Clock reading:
**5:49**
